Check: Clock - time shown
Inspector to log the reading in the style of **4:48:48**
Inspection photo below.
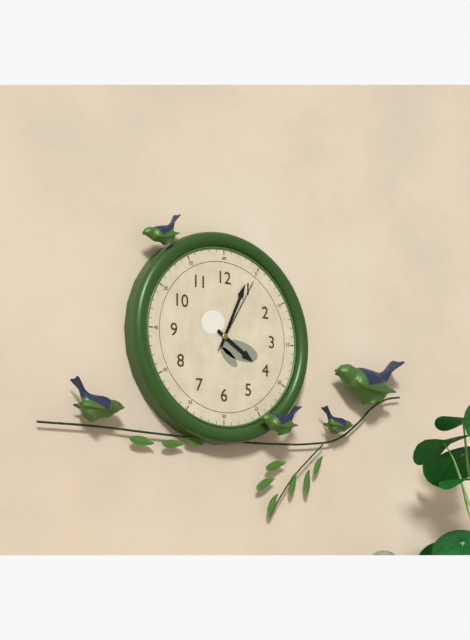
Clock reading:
**4:04:05**
